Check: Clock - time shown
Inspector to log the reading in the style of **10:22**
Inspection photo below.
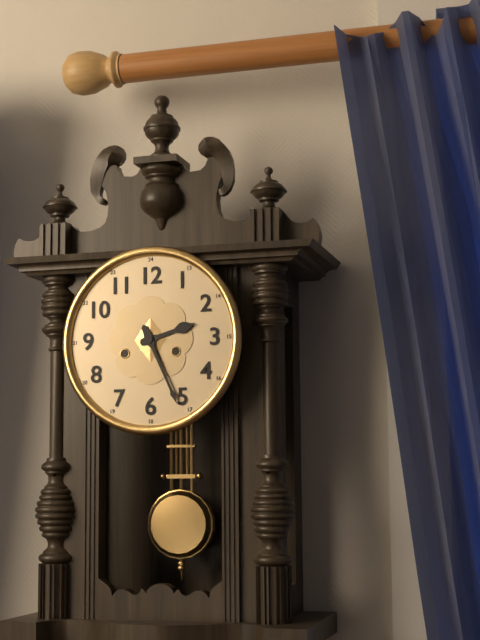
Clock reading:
**2:26**
